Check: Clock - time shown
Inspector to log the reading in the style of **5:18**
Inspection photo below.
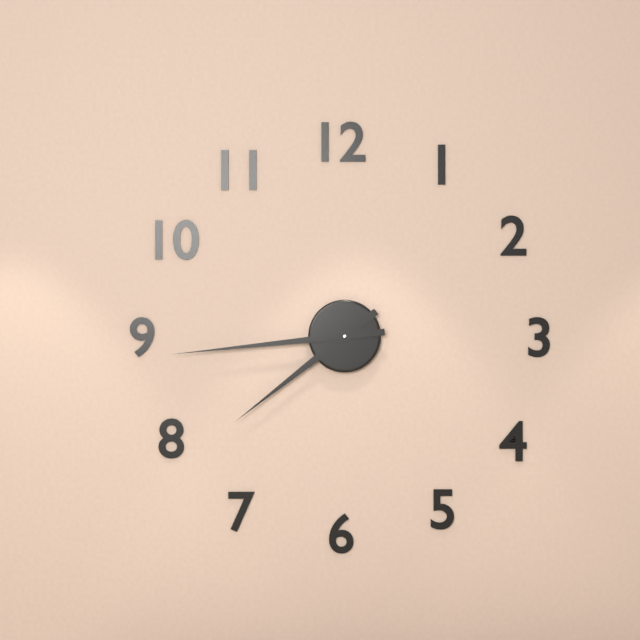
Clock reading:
**7:44**
